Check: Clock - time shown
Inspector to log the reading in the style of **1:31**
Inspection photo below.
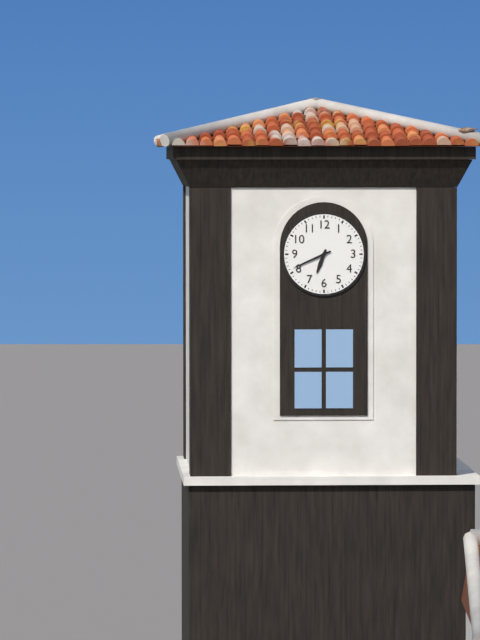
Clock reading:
**6:41**
